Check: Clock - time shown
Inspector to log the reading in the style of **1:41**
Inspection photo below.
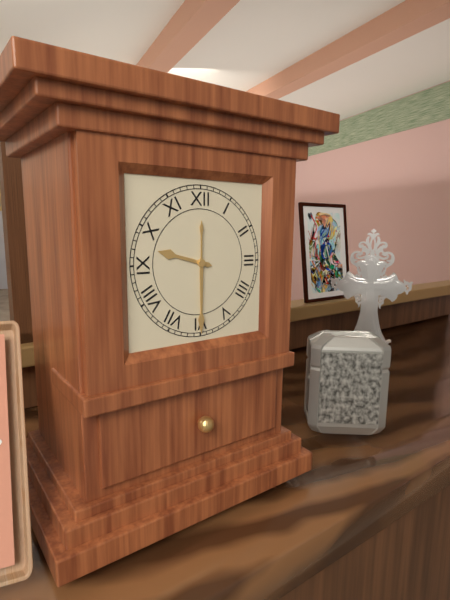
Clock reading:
**9:30**
